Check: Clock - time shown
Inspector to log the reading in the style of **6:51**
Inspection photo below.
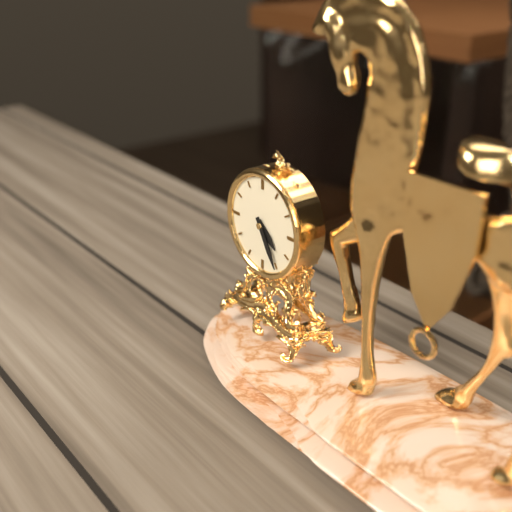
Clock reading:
**4:25**
